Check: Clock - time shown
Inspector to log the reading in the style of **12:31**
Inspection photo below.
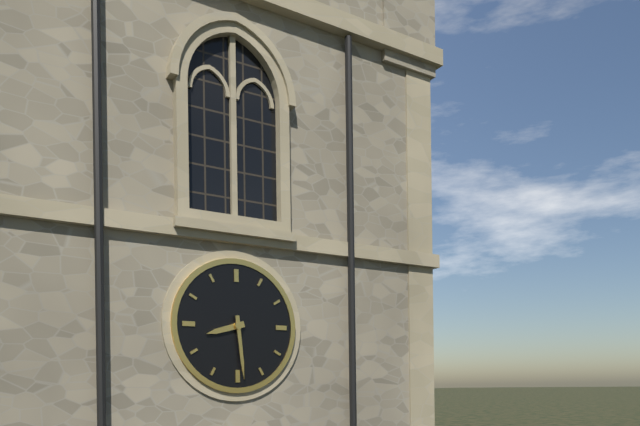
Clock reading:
**8:29**
